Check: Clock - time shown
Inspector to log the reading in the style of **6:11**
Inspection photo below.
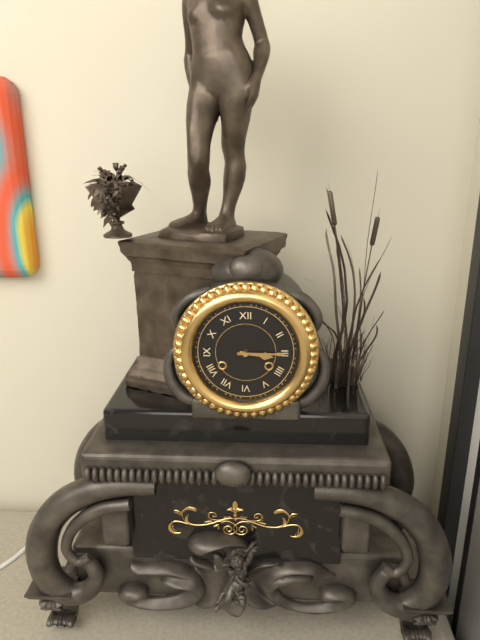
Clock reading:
**3:15**
